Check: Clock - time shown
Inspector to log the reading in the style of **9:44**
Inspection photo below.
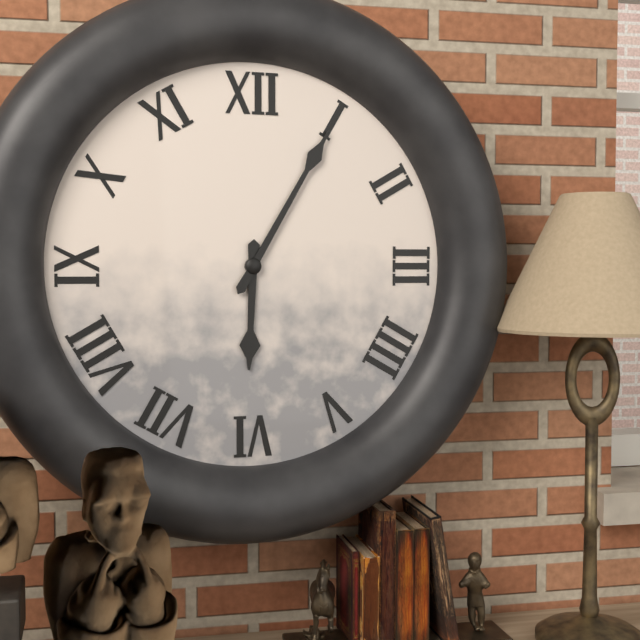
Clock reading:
**6:05**
